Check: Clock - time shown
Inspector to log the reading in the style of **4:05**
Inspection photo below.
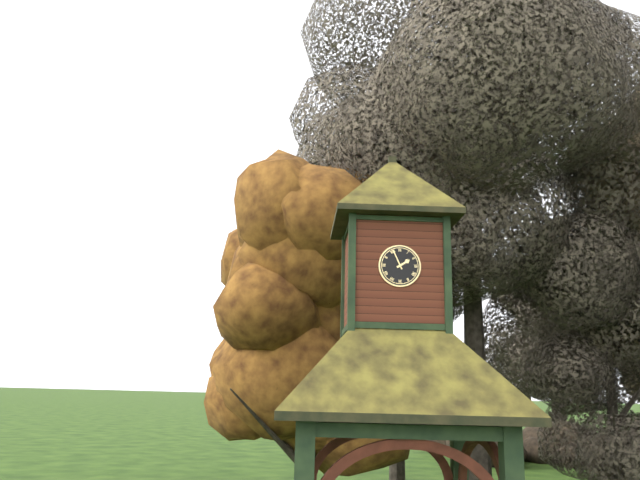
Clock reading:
**1:56**
